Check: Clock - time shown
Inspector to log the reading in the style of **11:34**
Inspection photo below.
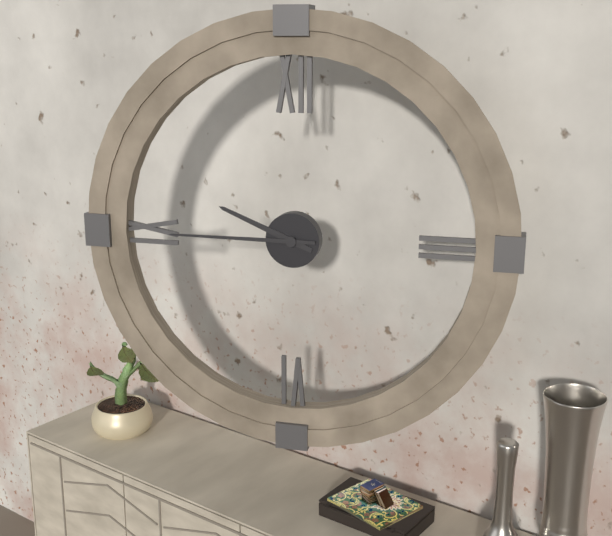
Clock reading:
**9:45**
